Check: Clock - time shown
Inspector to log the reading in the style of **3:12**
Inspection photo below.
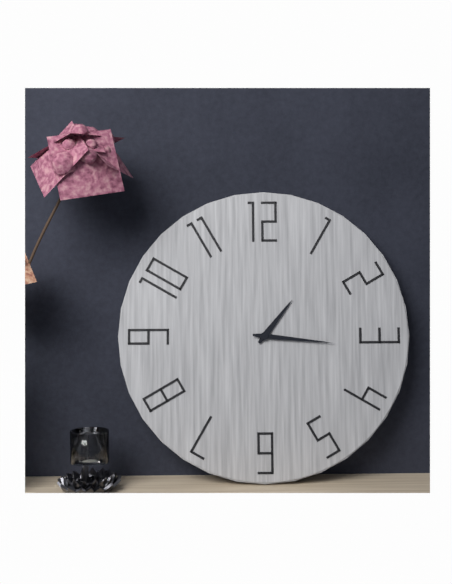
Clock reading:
**1:16**
